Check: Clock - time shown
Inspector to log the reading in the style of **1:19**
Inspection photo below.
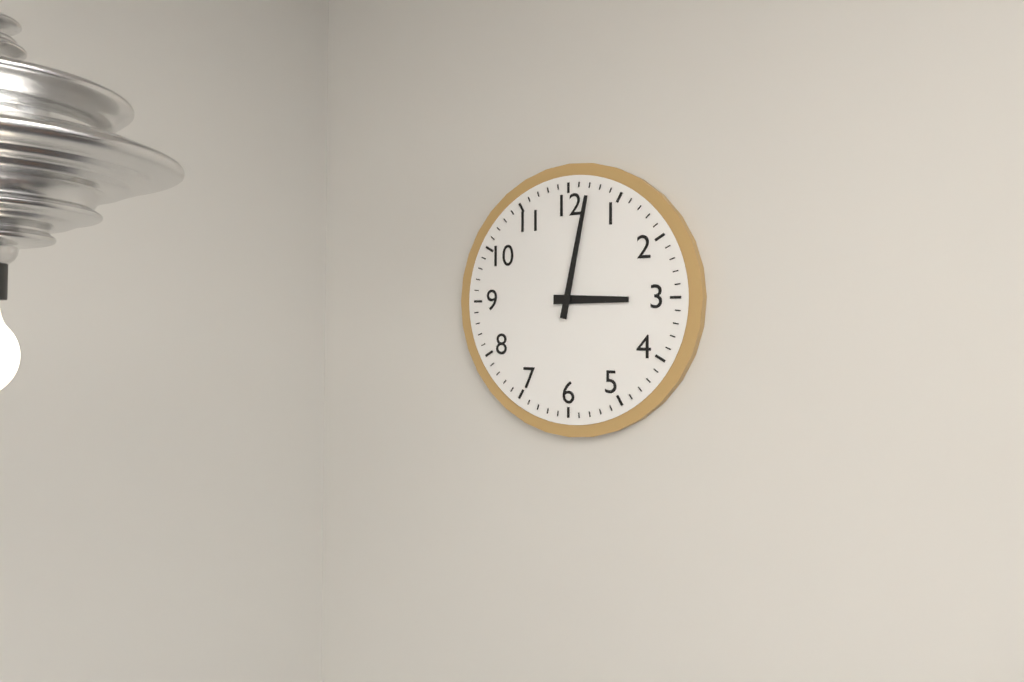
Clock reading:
**3:02**
